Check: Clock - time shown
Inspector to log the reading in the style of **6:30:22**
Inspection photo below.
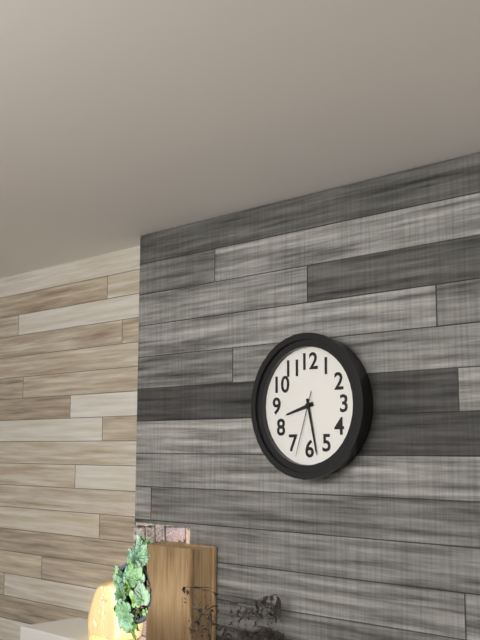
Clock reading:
**8:28:33**
